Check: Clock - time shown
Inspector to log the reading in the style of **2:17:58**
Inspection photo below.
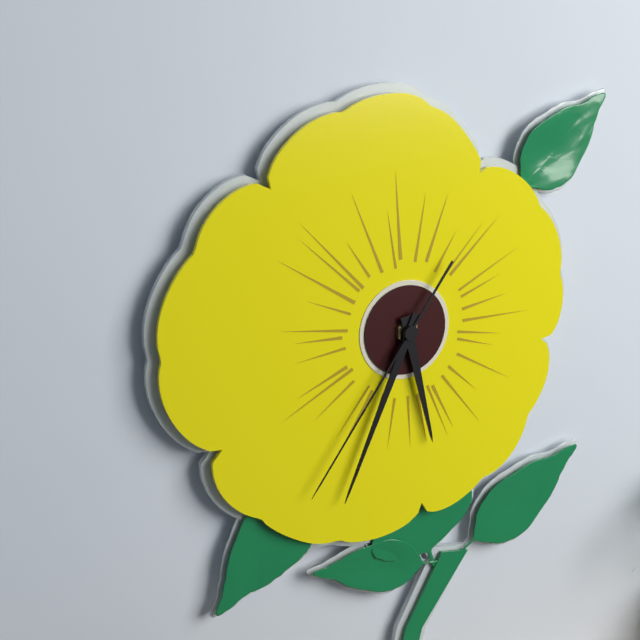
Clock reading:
**5:34:36**
